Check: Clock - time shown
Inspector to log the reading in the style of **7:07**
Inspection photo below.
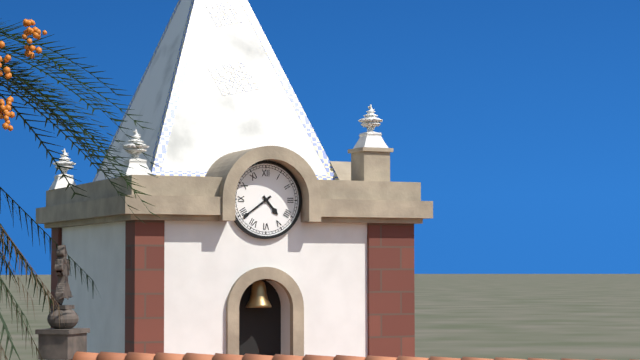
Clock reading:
**4:39**
